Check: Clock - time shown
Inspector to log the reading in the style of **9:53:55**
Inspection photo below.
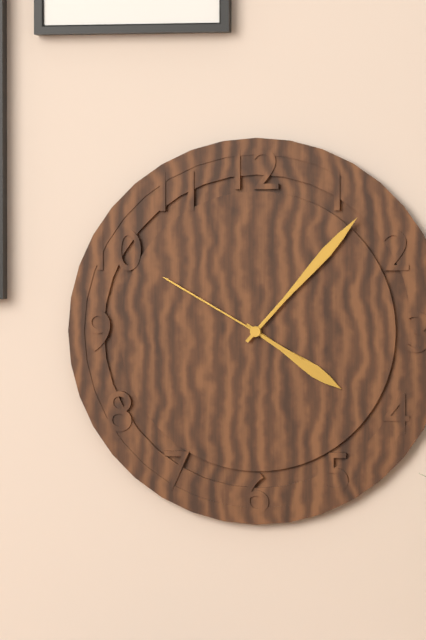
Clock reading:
**4:07:50**
